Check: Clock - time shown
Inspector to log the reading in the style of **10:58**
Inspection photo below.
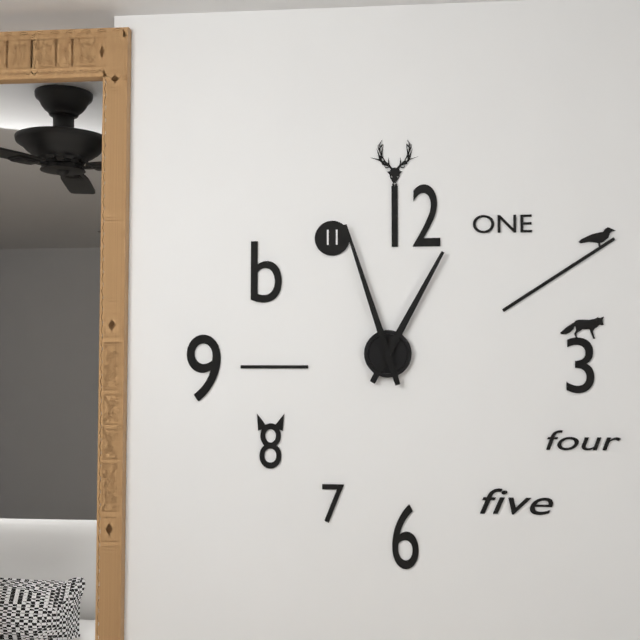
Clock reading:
**12:57**
